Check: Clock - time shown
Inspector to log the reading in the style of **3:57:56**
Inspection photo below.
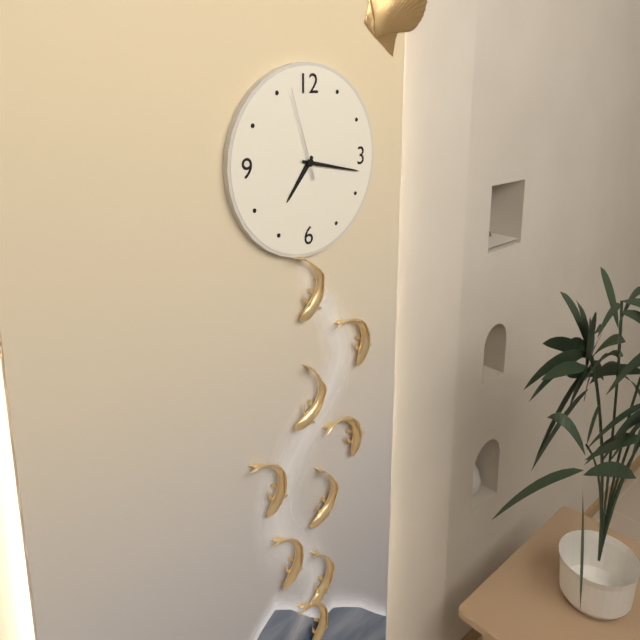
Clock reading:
**7:17:57**
